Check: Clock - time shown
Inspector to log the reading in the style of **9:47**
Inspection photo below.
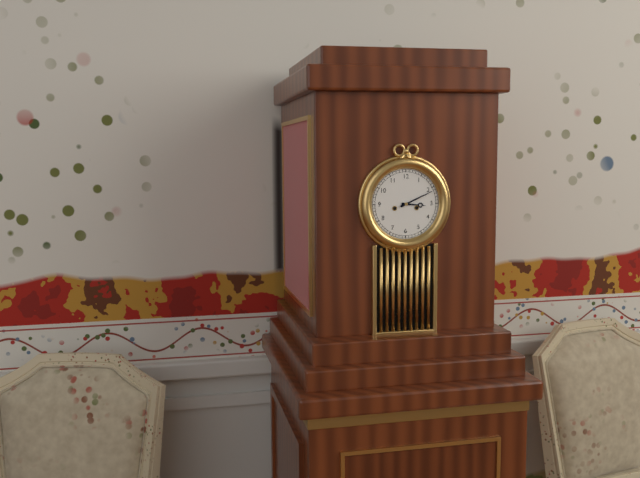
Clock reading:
**3:11**
